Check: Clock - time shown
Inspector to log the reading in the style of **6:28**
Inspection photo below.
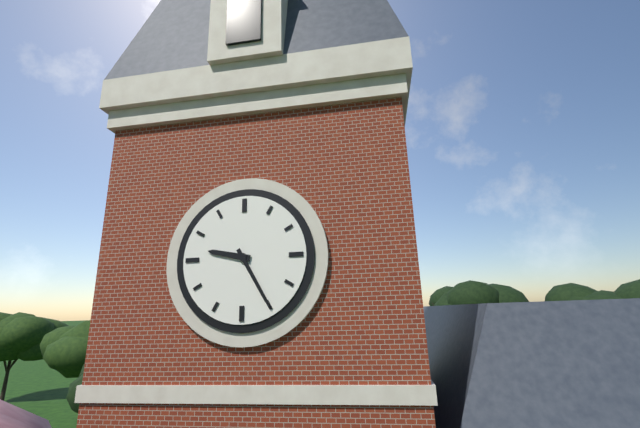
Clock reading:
**9:25**
